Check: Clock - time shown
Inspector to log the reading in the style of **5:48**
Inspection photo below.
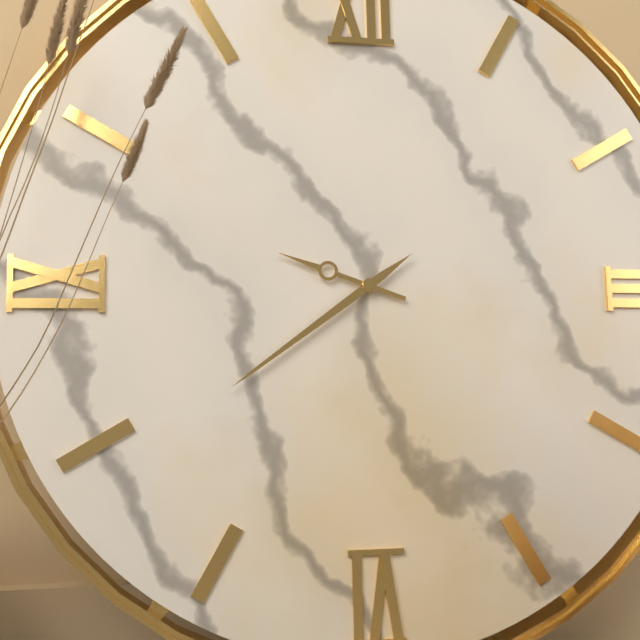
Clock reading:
**9:39**
